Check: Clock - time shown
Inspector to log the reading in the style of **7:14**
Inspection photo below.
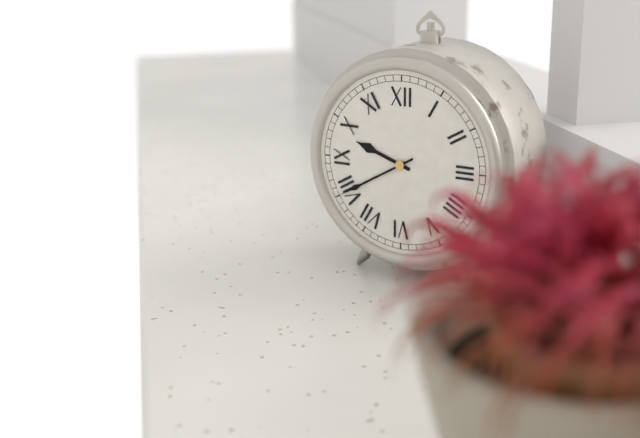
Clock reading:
**9:40**
